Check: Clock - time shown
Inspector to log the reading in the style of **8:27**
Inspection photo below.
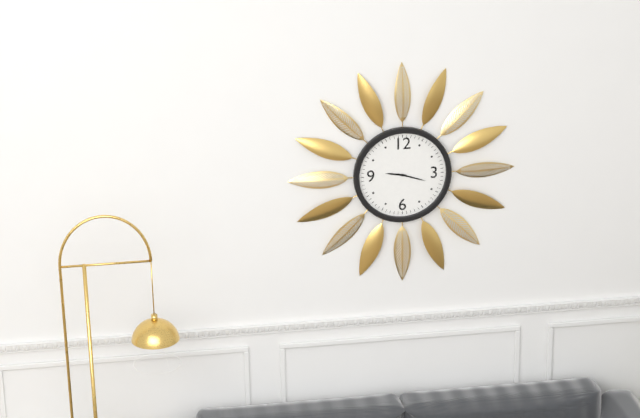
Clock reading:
**9:18**
